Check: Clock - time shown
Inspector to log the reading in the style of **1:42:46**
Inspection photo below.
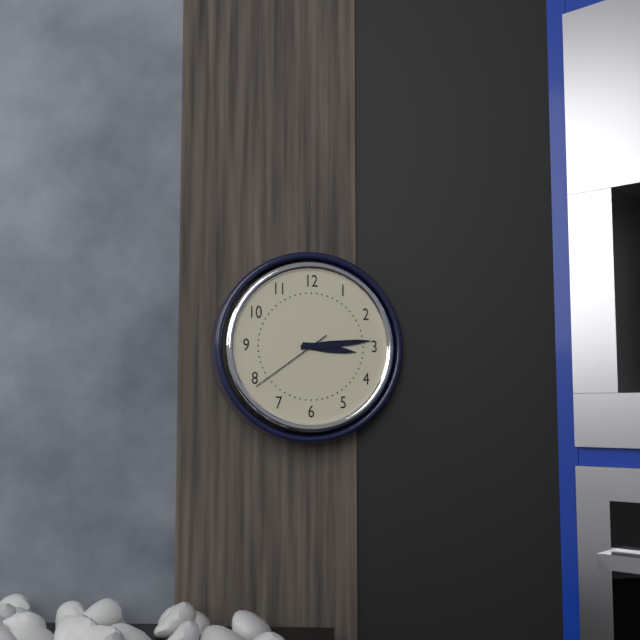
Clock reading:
**3:14:39**
